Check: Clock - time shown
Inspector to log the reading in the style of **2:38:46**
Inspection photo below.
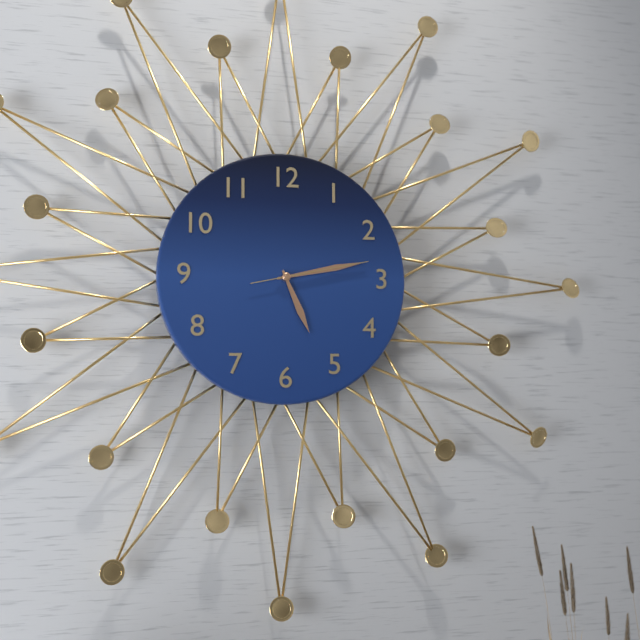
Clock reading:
**5:13:13**
